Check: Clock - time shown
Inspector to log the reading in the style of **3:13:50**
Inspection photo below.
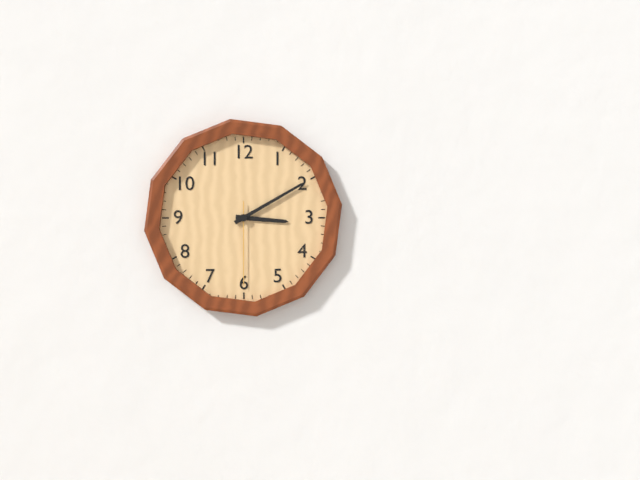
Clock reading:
**3:10:30**
